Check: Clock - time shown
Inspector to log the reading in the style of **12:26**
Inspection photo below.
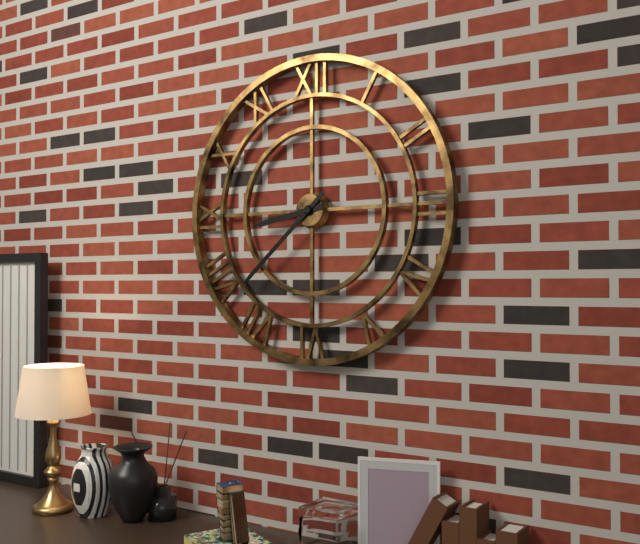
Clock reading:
**8:38**
